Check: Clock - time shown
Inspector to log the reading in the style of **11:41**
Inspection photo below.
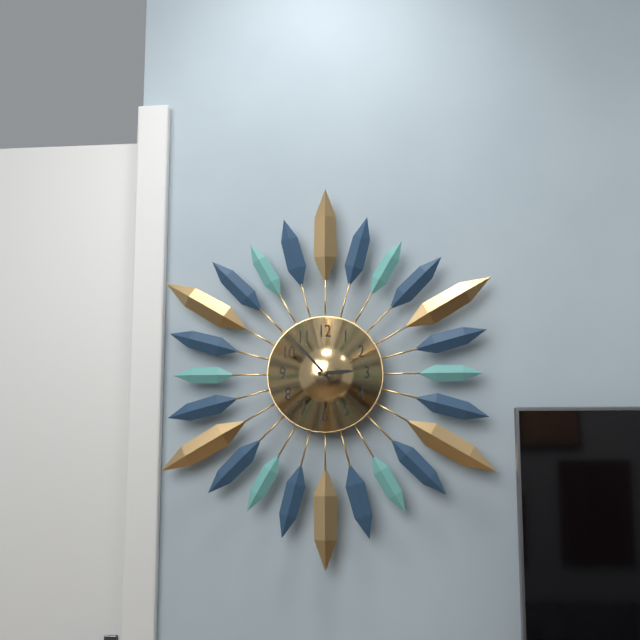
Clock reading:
**2:53**
